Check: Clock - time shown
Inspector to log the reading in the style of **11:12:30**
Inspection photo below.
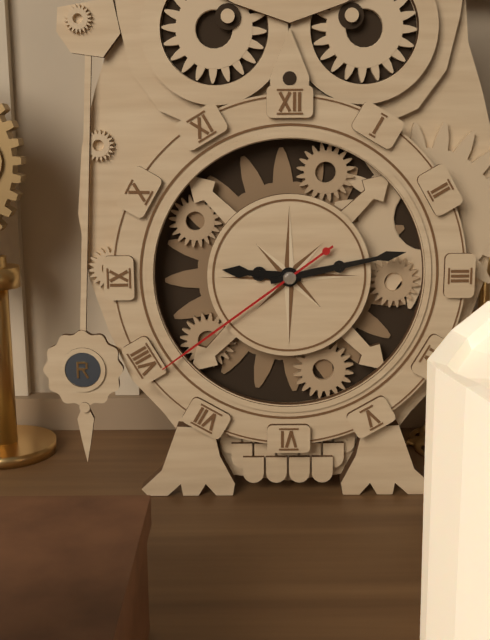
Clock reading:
**9:13:39**
